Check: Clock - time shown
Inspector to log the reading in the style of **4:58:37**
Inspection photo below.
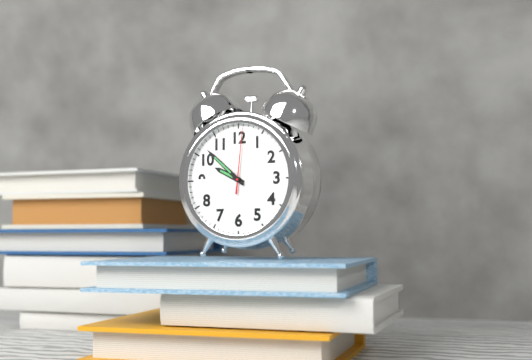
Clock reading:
**9:52:01**
